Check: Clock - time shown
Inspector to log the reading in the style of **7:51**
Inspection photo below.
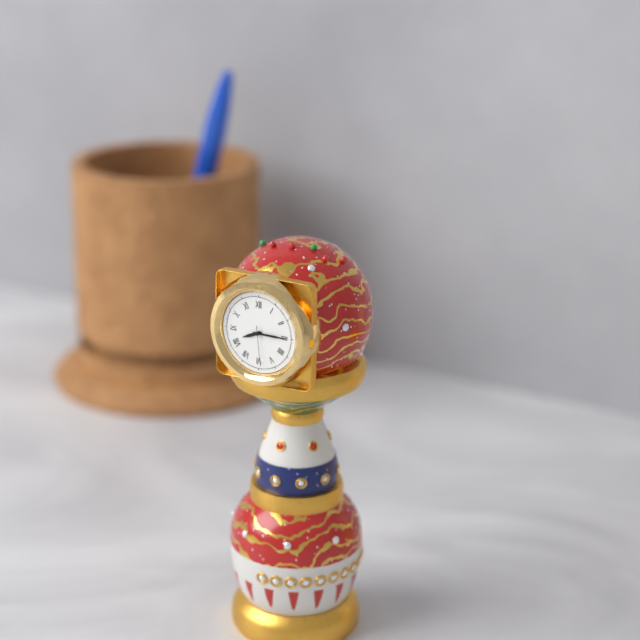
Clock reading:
**8:15**
